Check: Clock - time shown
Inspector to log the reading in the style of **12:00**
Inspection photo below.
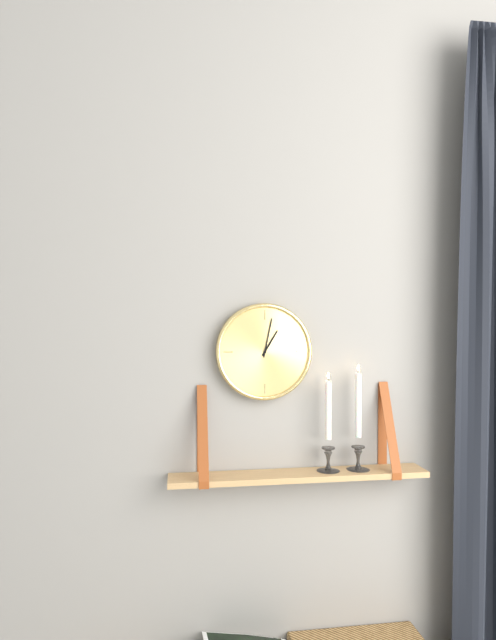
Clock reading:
**1:02**
